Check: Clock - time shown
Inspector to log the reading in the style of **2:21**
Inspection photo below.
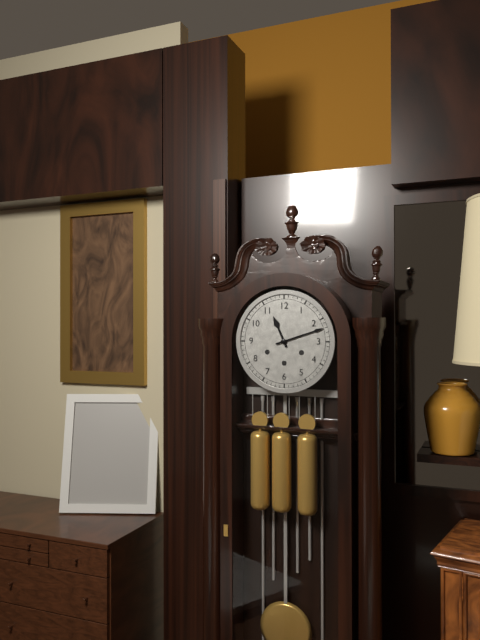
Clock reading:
**11:12**
